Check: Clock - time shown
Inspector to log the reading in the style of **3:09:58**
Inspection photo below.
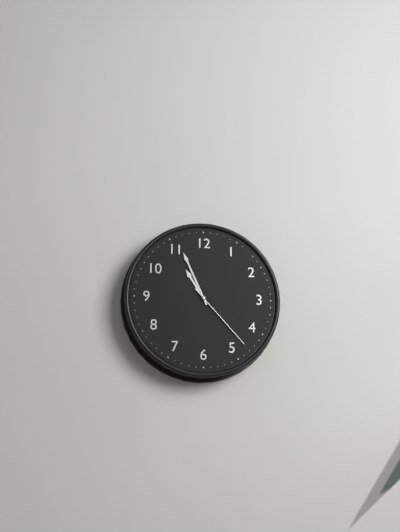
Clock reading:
**10:56:23**
